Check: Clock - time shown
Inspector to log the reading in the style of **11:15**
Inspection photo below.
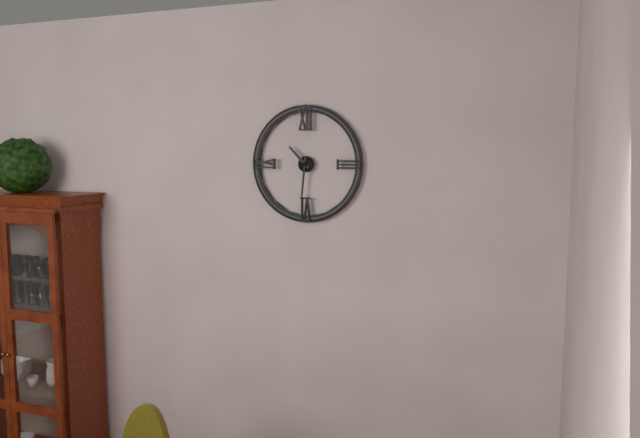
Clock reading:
**10:31**
